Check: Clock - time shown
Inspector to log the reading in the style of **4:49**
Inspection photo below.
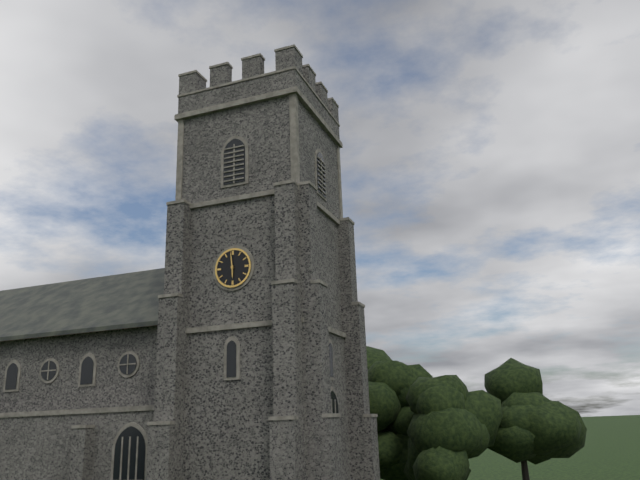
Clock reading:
**5:59**
